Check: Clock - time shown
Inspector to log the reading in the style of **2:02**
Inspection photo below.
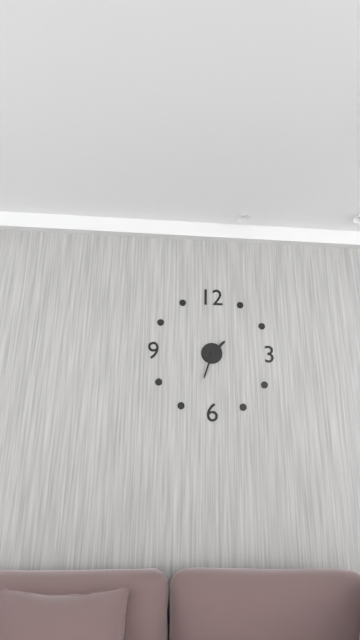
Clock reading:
**1:33**
